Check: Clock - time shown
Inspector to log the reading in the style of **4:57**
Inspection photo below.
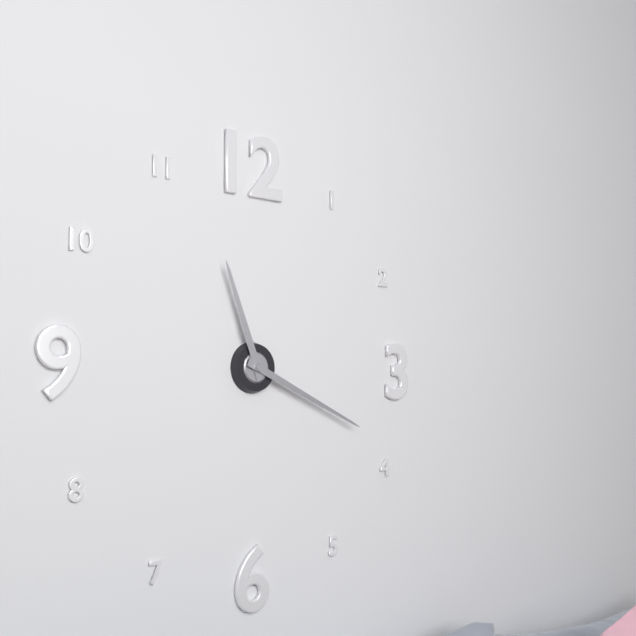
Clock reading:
**11:19**
